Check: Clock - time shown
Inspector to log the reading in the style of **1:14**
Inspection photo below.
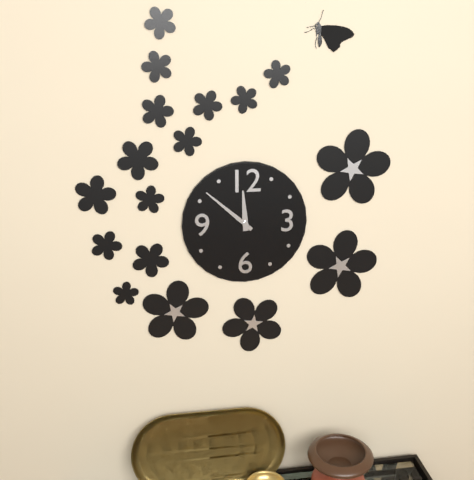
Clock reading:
**11:52**
